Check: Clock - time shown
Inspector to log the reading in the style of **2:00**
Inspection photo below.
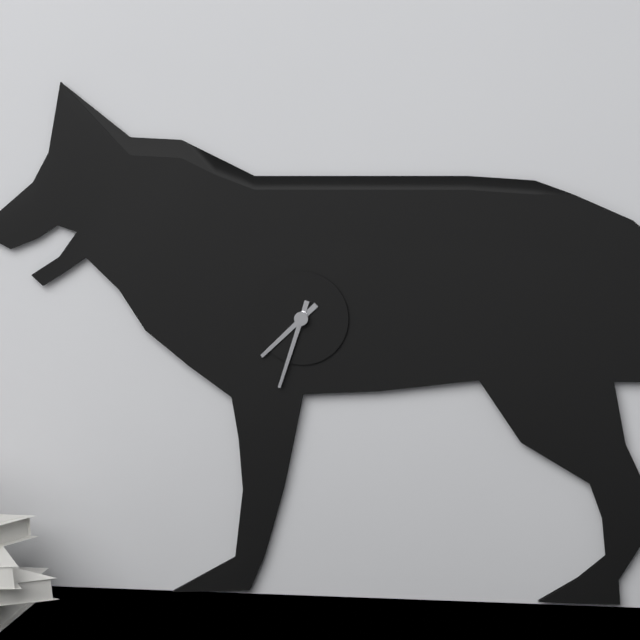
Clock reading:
**7:33**
